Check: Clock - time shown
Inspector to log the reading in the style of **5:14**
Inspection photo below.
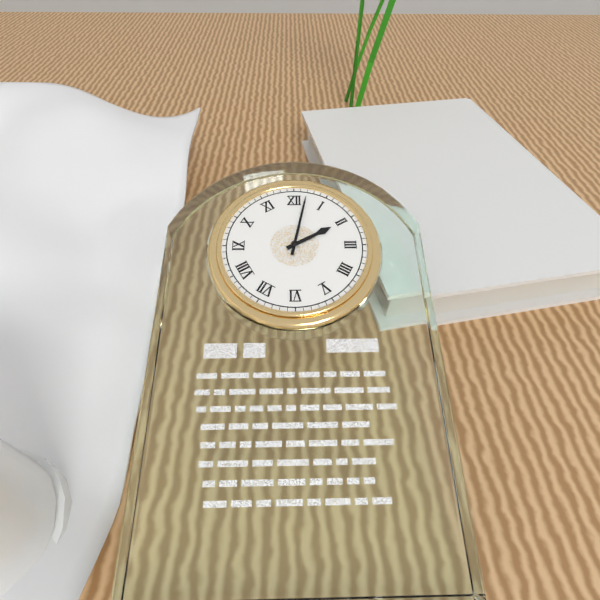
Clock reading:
**2:02**
